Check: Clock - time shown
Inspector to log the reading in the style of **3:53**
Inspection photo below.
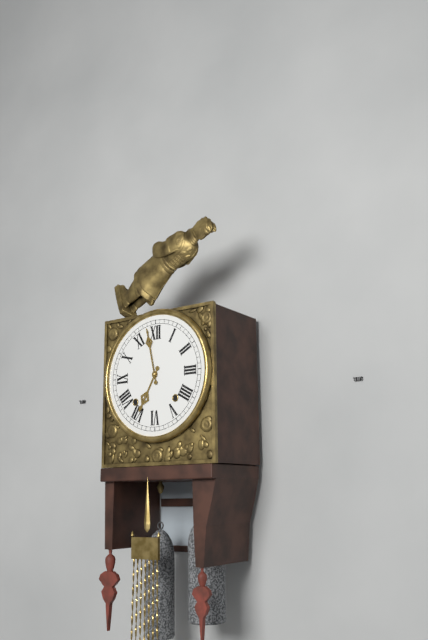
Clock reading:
**6:58**
